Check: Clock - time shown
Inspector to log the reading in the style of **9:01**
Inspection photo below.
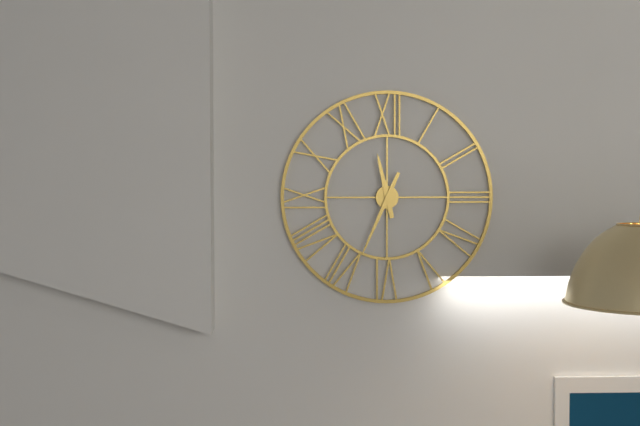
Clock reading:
**11:34**
